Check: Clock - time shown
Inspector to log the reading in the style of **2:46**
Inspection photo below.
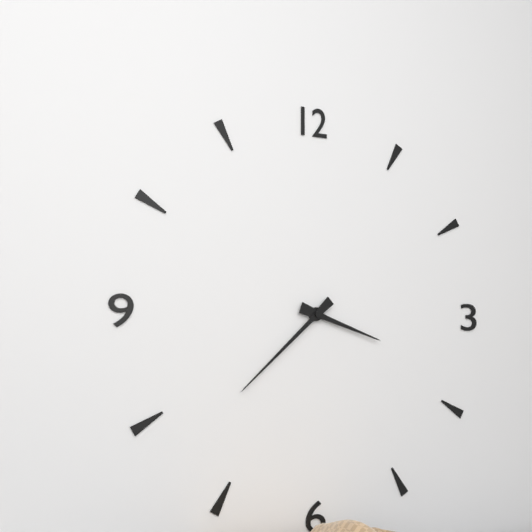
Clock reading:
**3:38**
